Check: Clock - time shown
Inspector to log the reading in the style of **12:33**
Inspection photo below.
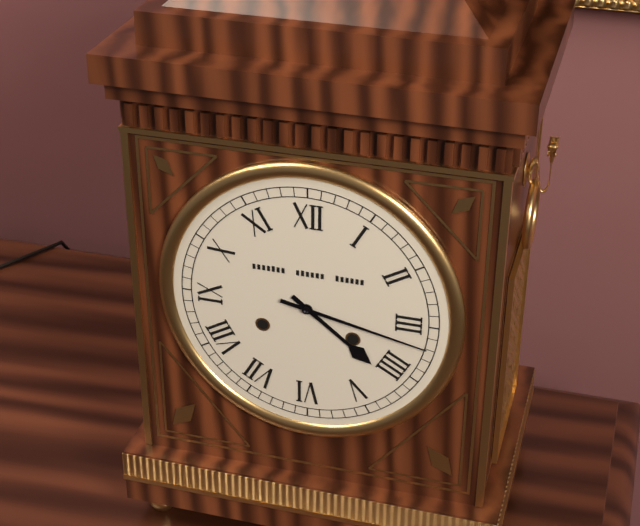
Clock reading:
**4:17**
